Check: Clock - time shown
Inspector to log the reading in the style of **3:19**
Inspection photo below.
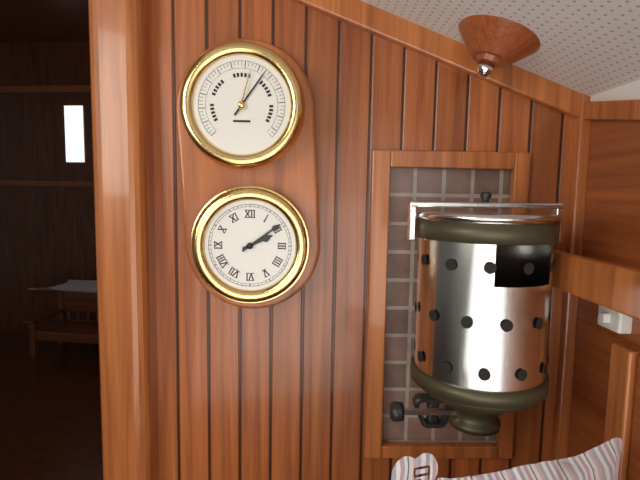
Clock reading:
**2:09**
